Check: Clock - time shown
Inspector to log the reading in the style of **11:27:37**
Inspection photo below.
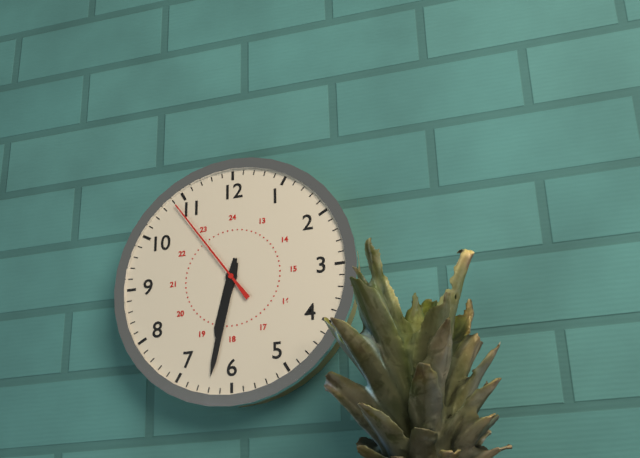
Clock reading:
**6:32:54**
